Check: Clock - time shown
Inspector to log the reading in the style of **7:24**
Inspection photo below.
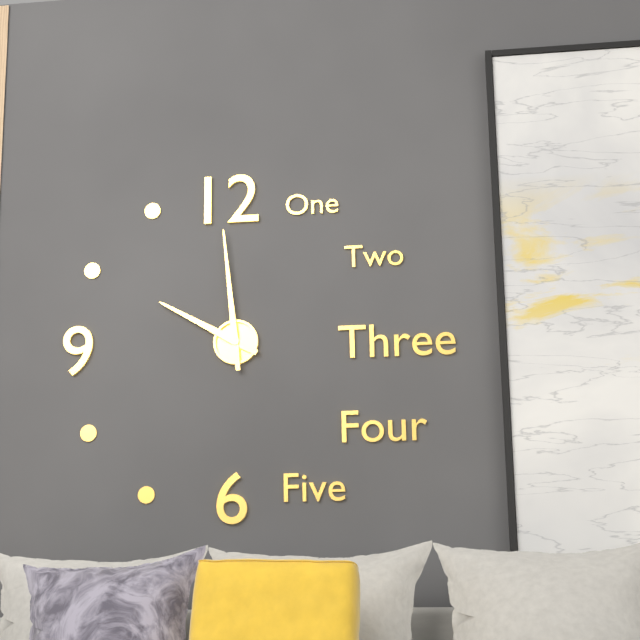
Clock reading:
**9:59**
